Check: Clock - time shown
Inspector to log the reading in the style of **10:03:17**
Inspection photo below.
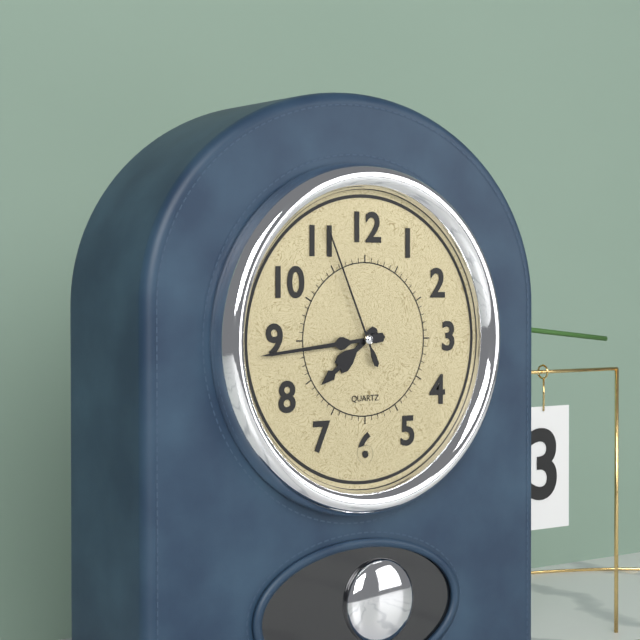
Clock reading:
**7:44:56**
